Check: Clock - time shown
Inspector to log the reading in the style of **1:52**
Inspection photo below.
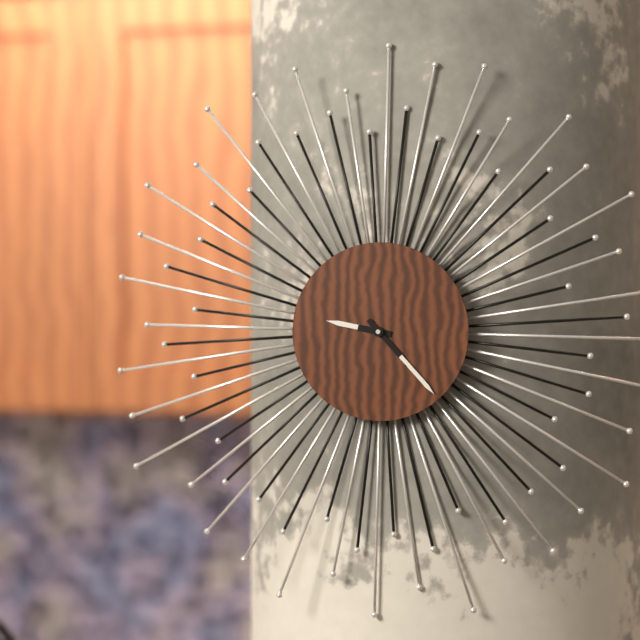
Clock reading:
**9:23**
